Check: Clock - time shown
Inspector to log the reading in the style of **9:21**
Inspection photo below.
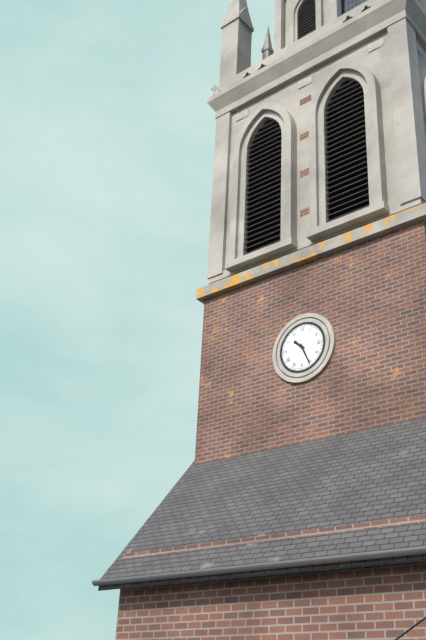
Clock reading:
**10:26**
